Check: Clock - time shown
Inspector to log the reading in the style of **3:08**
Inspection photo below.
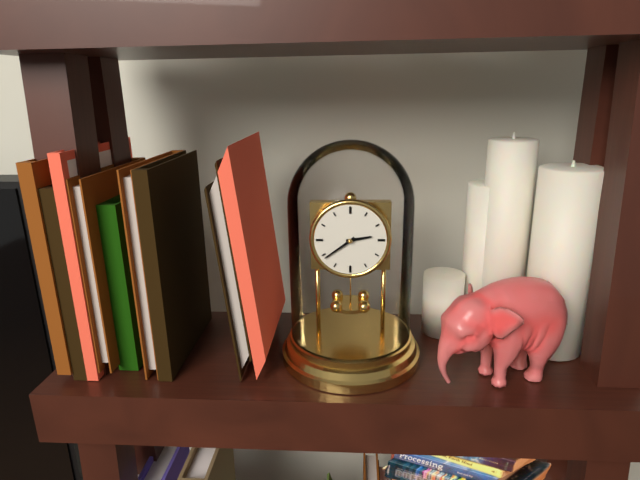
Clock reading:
**2:39**
